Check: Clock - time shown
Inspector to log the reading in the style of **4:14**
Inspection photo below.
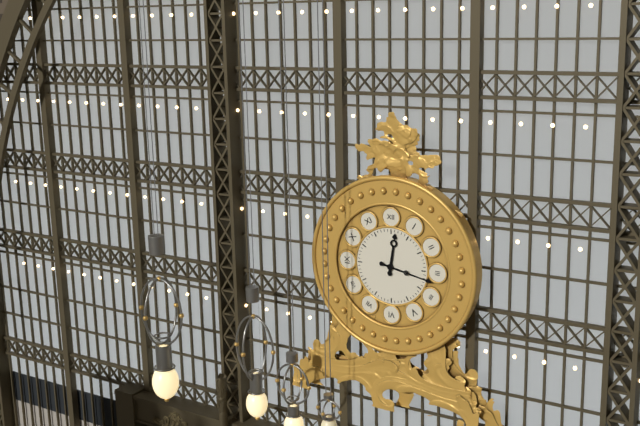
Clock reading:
**12:17**
